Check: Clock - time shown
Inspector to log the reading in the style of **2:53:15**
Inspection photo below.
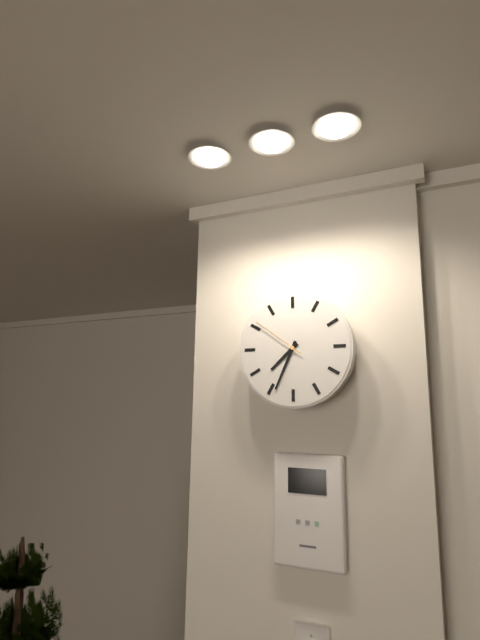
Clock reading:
**7:34:51**
